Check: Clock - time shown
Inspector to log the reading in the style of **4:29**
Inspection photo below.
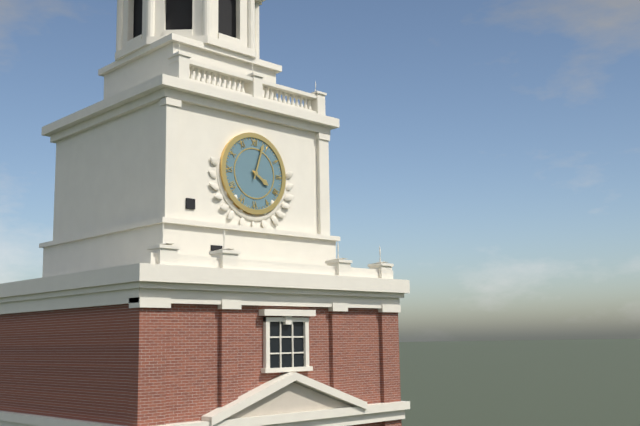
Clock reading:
**4:03**
